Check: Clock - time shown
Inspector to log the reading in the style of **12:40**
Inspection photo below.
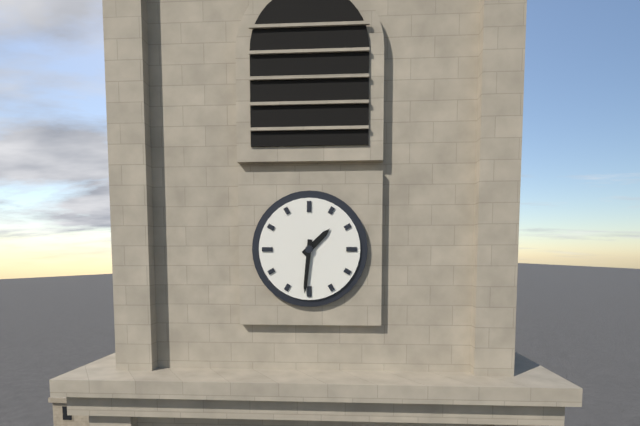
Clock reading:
**1:31**
